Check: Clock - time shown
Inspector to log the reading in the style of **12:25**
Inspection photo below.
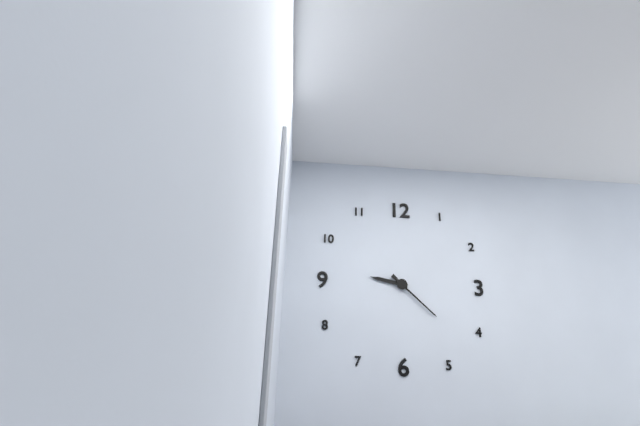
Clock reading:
**9:22**
